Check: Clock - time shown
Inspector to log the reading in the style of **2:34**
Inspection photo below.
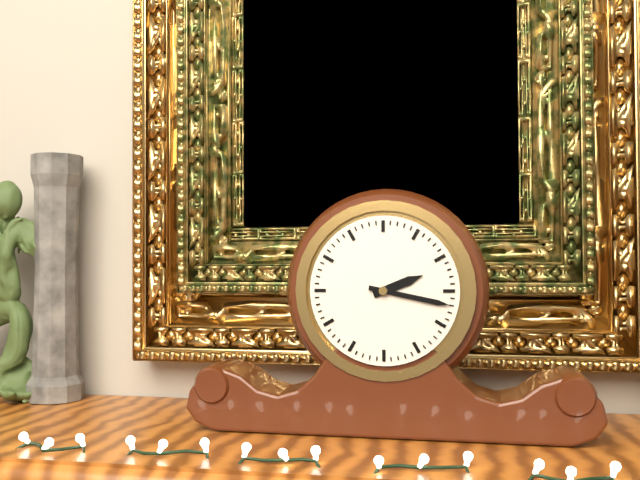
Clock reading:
**2:17**
